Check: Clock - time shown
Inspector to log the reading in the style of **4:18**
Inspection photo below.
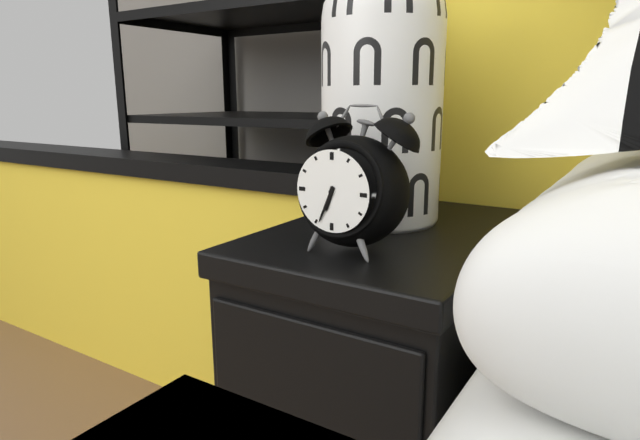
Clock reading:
**6:34**
